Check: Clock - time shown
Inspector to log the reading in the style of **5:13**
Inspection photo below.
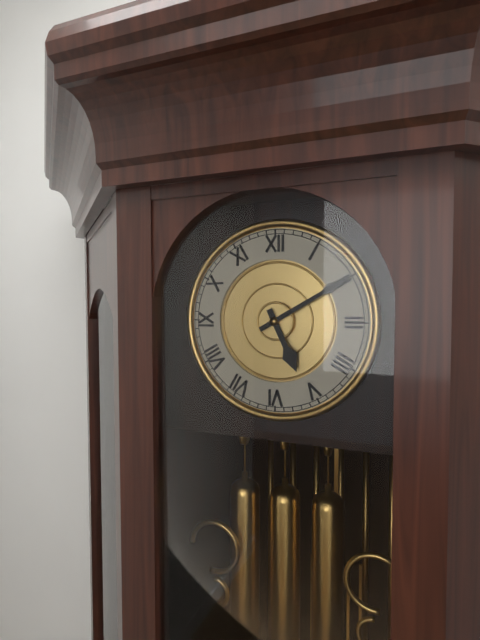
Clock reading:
**5:10**
